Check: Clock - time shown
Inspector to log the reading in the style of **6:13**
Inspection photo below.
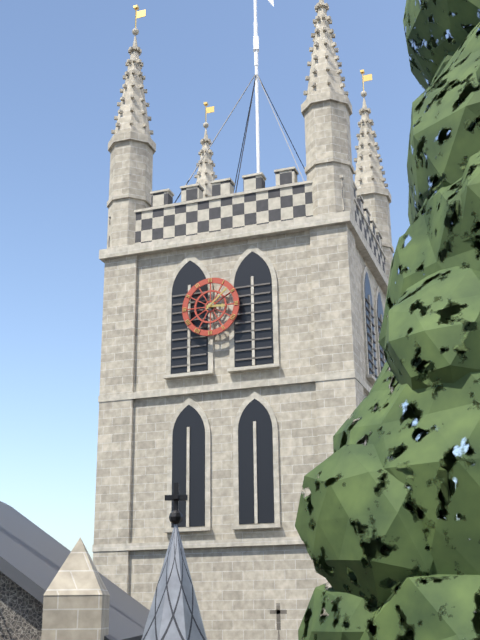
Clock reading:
**3:08**
